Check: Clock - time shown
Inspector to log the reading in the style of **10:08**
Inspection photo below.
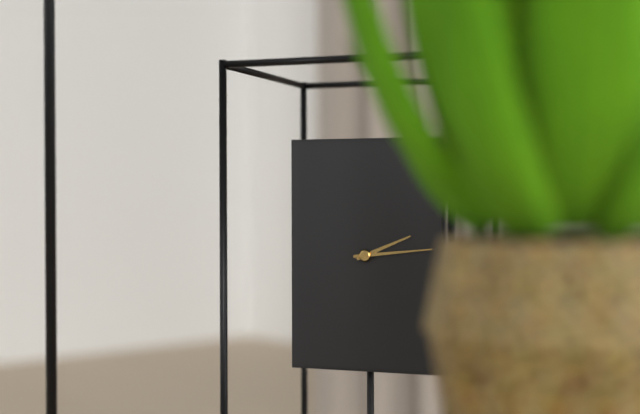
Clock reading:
**2:14**
